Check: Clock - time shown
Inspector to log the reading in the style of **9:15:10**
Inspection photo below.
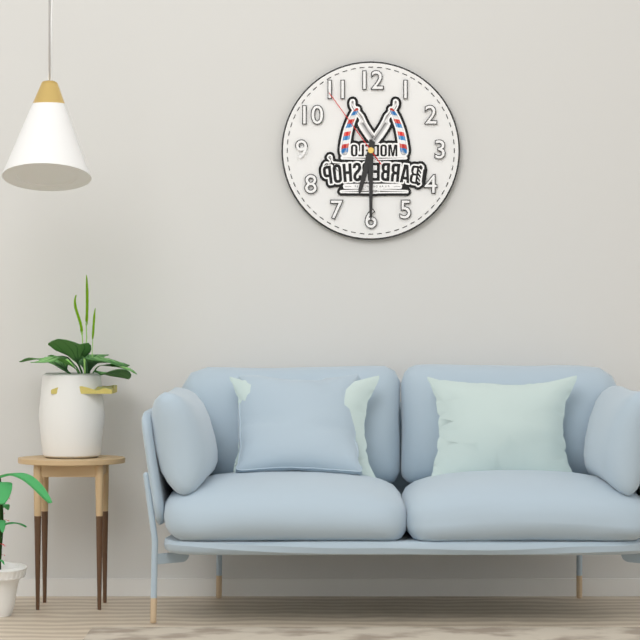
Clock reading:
**6:30:54**
